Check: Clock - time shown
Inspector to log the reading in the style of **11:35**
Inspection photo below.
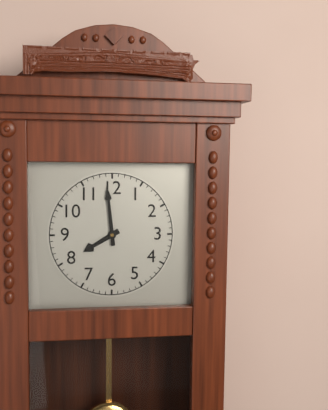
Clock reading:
**7:59**
